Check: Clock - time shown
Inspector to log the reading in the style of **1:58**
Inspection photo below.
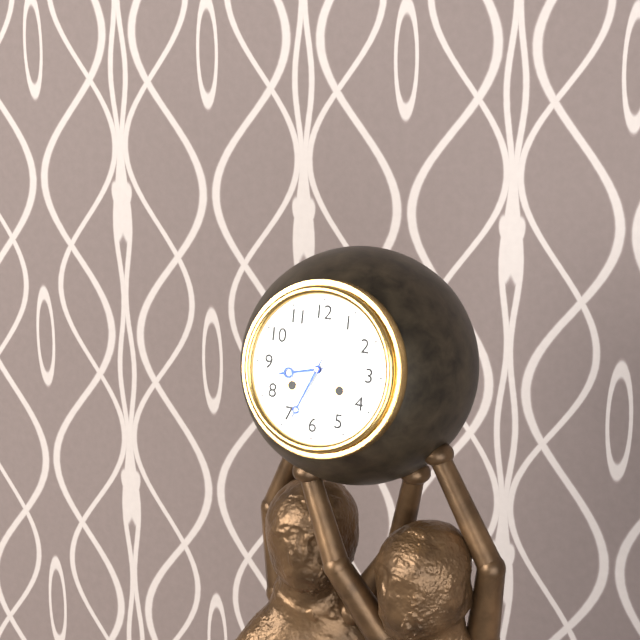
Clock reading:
**8:34**
